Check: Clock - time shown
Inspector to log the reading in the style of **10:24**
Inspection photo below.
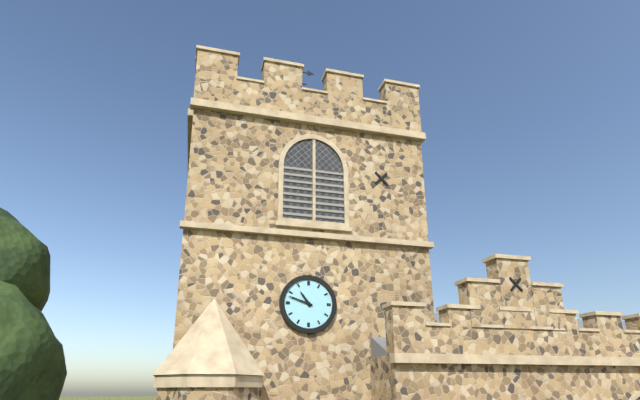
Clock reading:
**10:48**
